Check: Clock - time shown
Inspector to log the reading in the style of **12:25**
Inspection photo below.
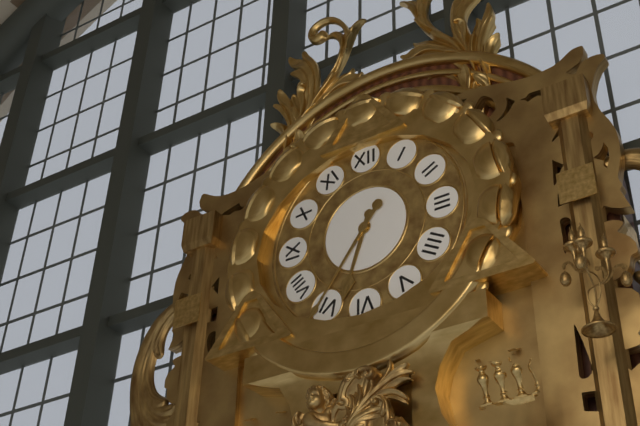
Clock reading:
**6:36**
